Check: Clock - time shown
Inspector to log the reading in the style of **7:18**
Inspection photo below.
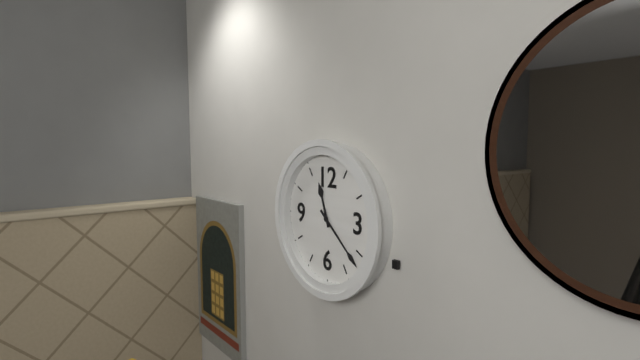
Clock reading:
**11:22**
